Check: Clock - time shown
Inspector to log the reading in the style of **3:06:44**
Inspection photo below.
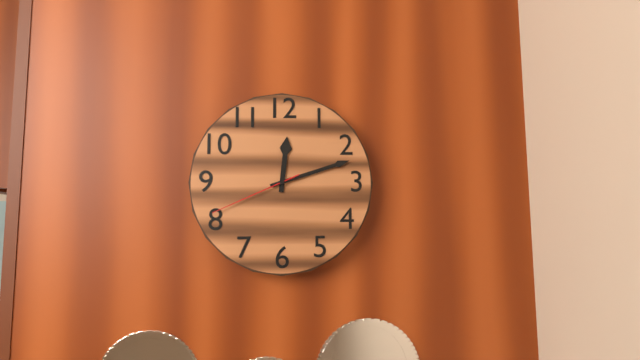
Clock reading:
**12:12:41**
